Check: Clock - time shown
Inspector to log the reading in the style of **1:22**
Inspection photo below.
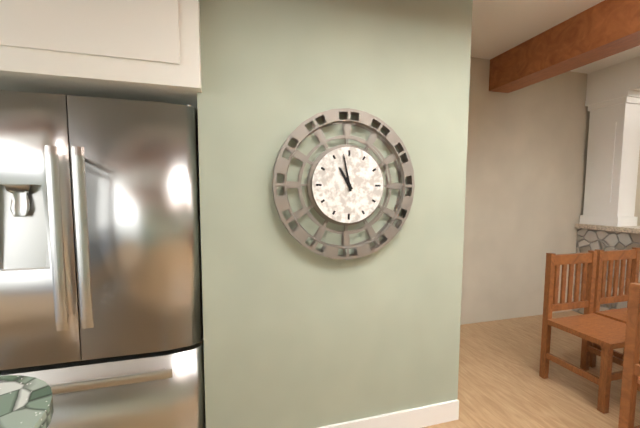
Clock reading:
**10:58**
